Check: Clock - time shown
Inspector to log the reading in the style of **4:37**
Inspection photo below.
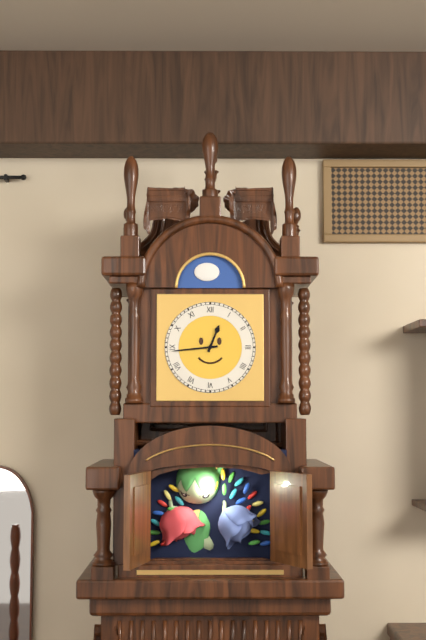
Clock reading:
**12:44**
